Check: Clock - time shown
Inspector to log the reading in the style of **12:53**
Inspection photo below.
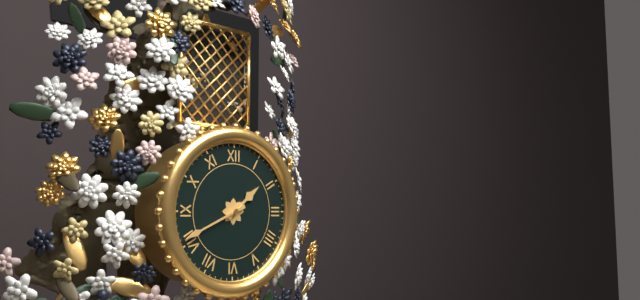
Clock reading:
**1:41**
